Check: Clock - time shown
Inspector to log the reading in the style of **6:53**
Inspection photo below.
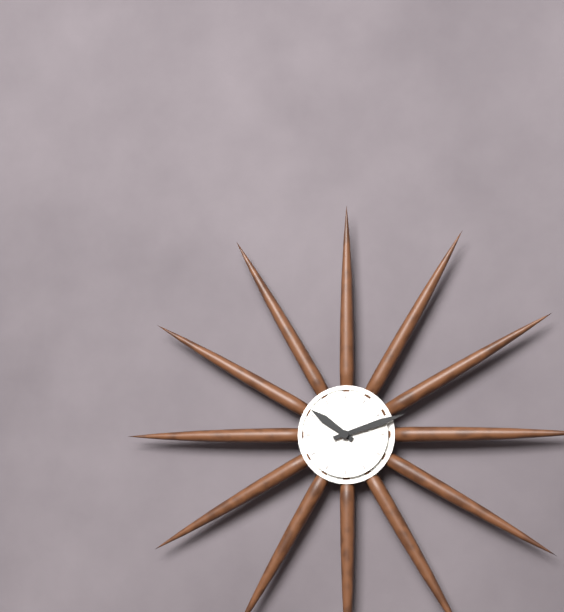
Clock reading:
**10:12**
